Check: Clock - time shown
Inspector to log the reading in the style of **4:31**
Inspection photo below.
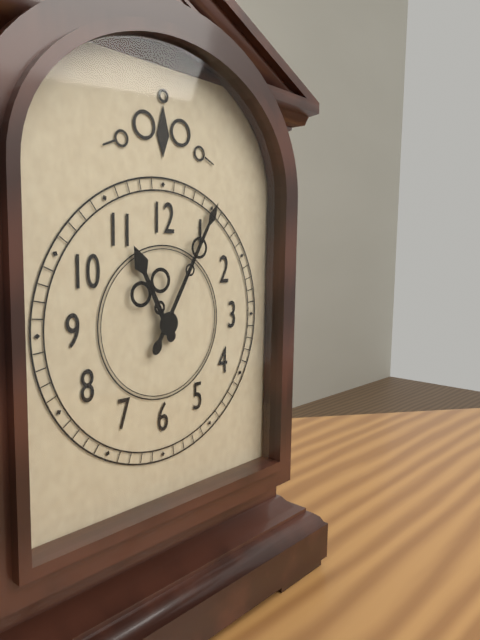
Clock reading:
**11:05**
